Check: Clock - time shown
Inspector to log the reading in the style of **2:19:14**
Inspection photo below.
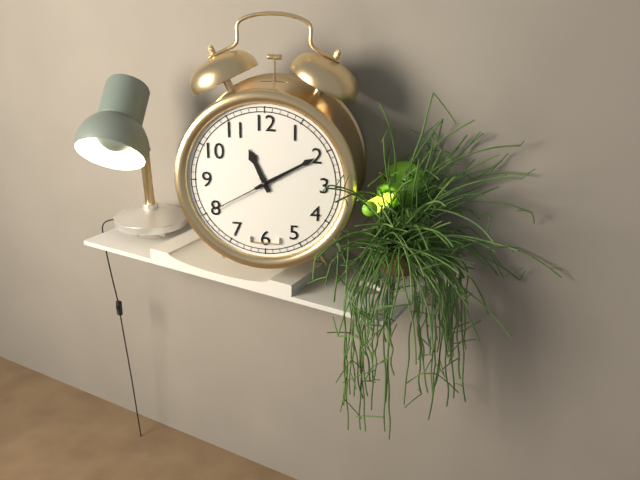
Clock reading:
**11:10:40**
